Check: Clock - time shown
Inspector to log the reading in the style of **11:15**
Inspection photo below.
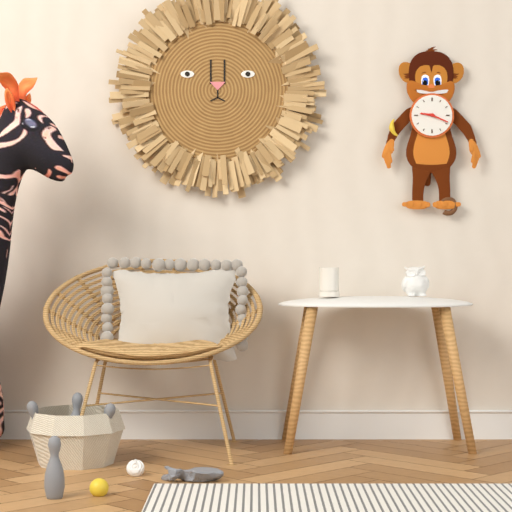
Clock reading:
**9:19**
